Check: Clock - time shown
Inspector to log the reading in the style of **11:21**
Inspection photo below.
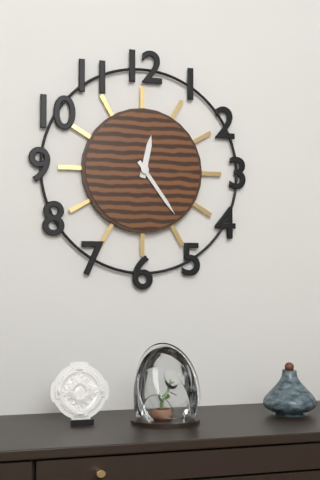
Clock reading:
**12:24**
